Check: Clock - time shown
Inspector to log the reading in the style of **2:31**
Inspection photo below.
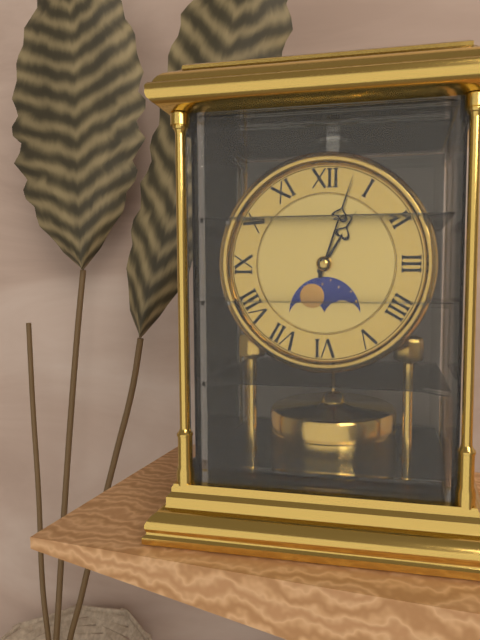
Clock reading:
**1:03**
